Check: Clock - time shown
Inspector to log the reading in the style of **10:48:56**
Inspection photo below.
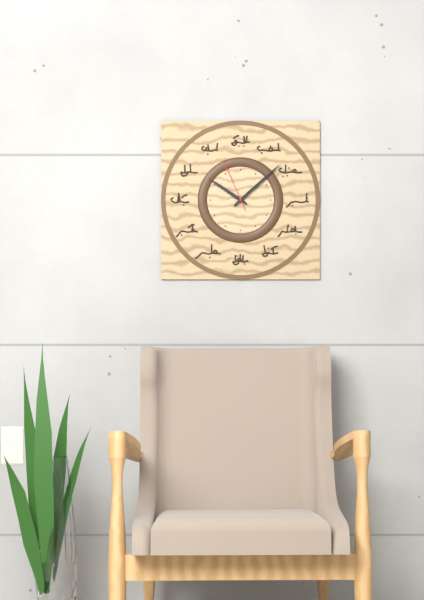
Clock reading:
**10:08:56**
